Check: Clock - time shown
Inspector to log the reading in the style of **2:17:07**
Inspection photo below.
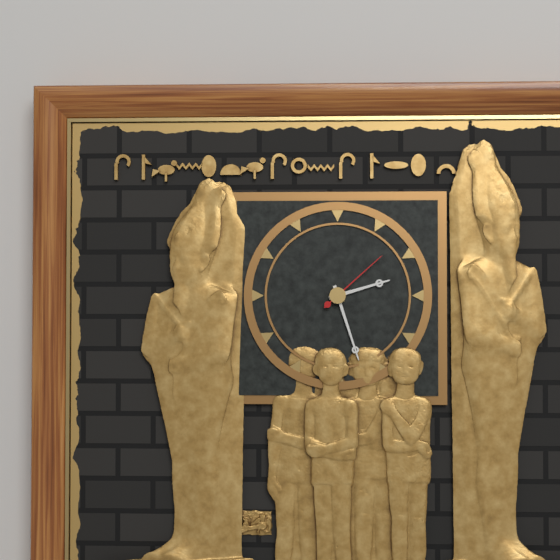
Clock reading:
**2:27:08**
